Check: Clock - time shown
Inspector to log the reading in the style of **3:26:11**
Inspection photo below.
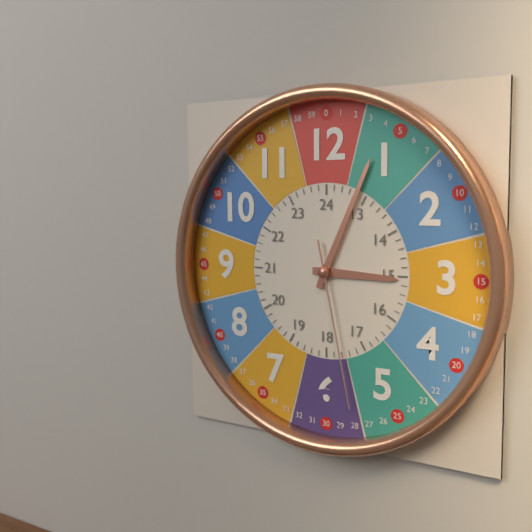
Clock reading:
**3:04:28**
